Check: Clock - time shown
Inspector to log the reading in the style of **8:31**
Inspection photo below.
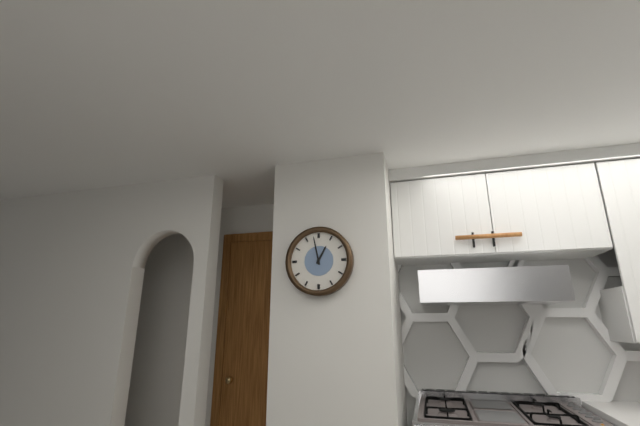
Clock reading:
**12:58**
